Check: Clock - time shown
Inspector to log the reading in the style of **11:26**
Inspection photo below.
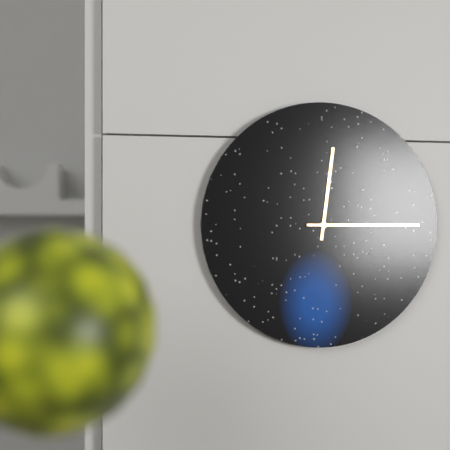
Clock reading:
**12:15**
